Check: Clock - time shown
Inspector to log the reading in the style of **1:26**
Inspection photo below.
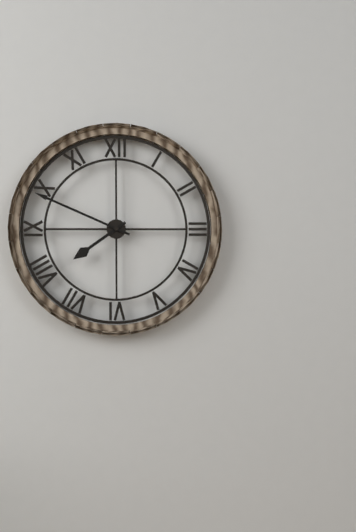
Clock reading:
**7:49**
